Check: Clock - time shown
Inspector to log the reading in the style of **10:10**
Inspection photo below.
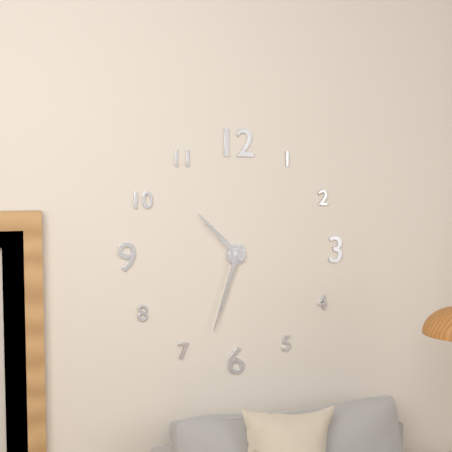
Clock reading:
**10:33**
